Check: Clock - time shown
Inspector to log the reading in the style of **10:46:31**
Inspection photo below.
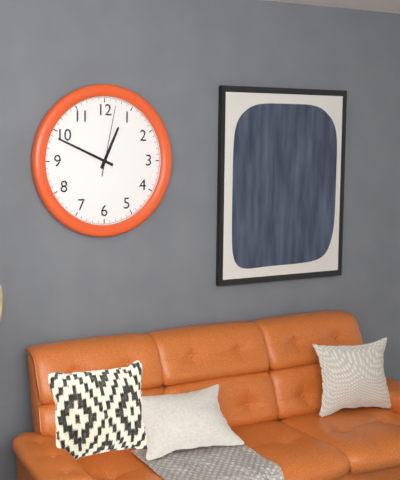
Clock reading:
**12:49:02**
